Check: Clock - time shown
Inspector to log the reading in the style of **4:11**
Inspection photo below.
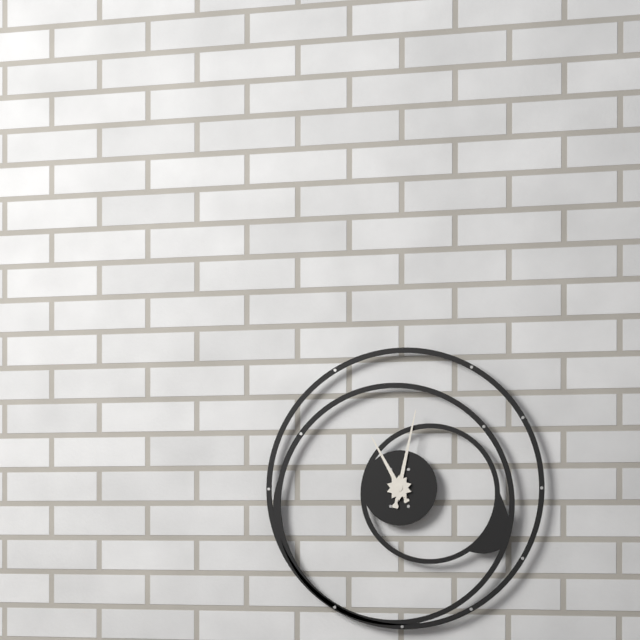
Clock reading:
**11:02**
